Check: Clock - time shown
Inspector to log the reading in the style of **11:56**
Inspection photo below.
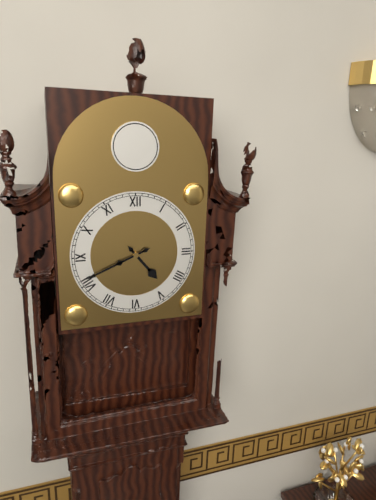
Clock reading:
**4:41**
